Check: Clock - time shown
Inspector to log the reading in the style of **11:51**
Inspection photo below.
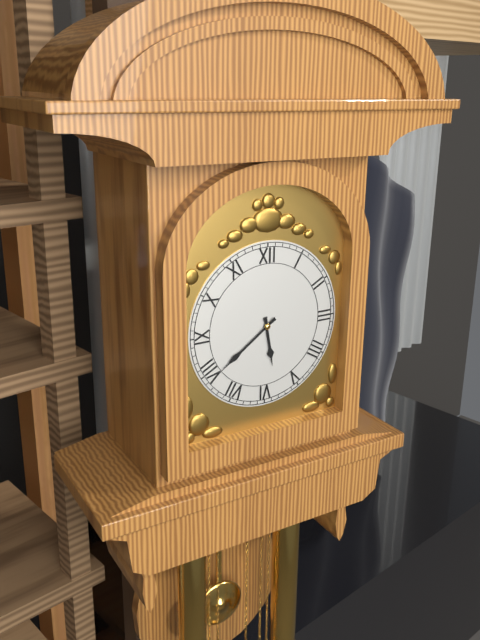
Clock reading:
**5:39**
